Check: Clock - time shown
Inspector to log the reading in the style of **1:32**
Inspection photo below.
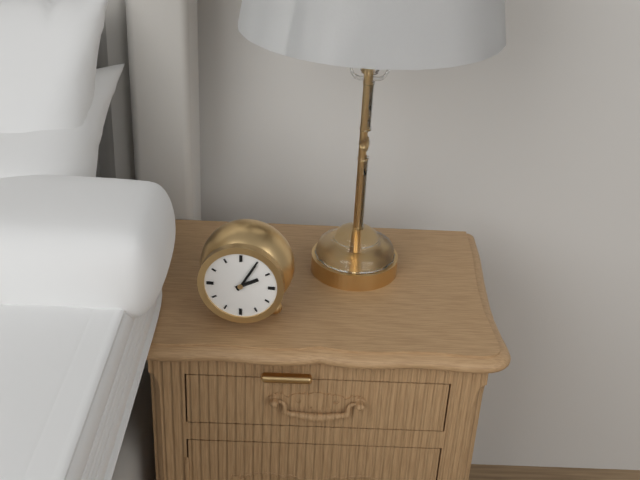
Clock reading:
**2:05**
